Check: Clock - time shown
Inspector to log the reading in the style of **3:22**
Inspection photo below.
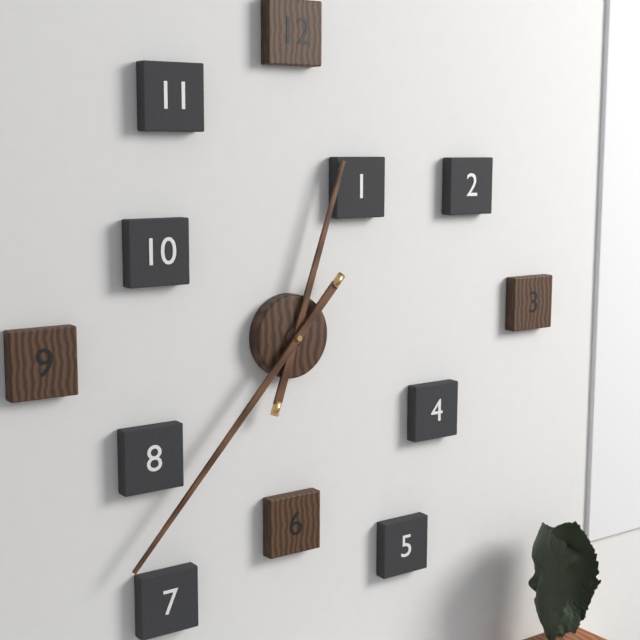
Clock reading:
**12:37**
